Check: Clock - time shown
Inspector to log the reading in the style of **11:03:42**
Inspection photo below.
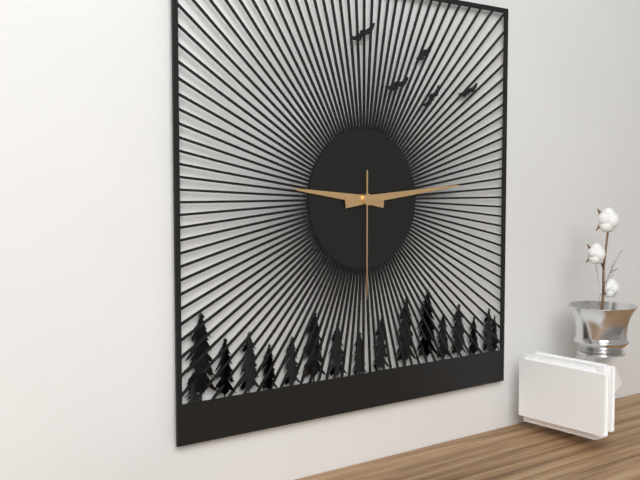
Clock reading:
**9:14:30**
